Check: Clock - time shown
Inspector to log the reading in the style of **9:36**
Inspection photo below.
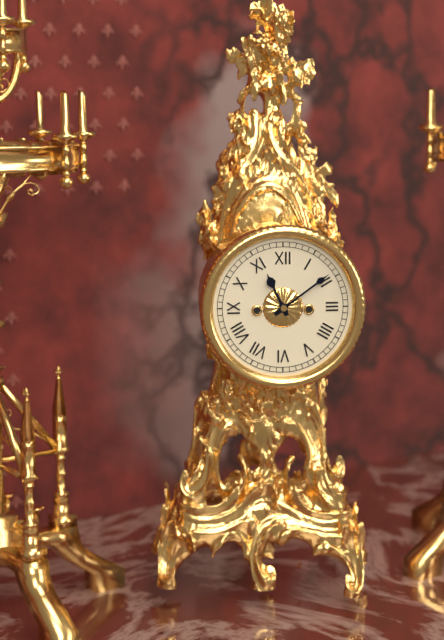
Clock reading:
**11:09**
